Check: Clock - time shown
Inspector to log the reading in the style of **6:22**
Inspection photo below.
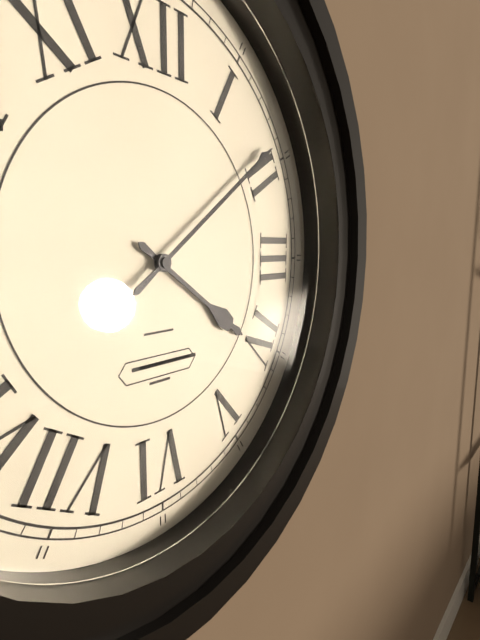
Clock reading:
**4:09**
